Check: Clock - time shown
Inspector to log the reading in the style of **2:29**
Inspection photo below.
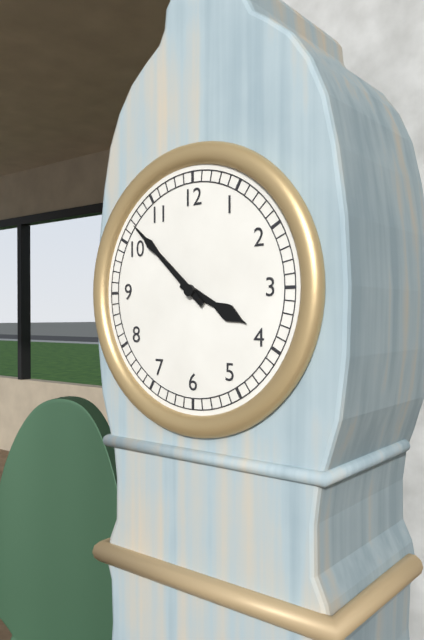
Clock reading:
**3:52**
